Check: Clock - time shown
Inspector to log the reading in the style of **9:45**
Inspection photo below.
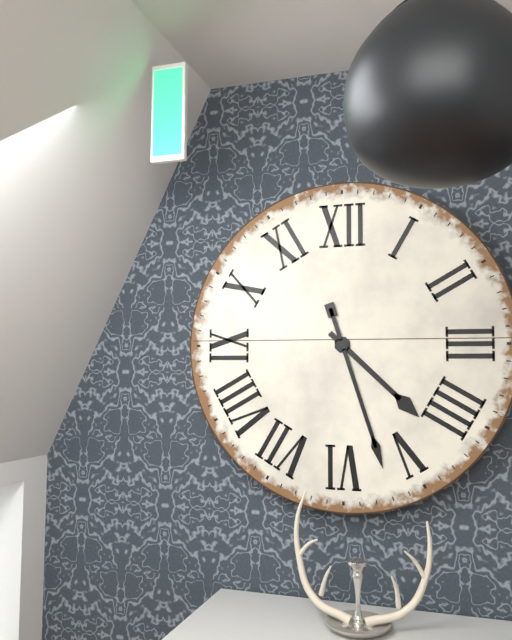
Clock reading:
**4:27**
